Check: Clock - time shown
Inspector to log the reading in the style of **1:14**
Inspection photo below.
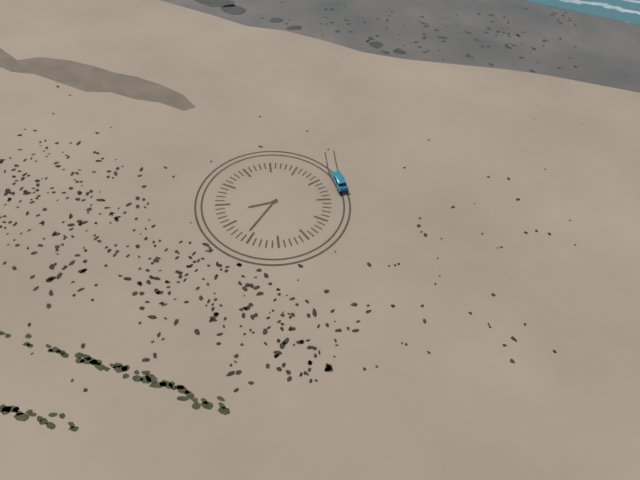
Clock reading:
**8:36**
